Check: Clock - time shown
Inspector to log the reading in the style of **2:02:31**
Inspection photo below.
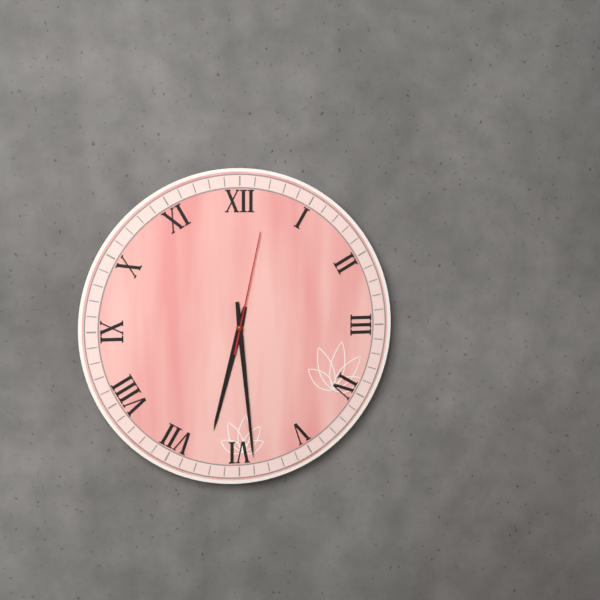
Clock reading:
**6:29:02**
